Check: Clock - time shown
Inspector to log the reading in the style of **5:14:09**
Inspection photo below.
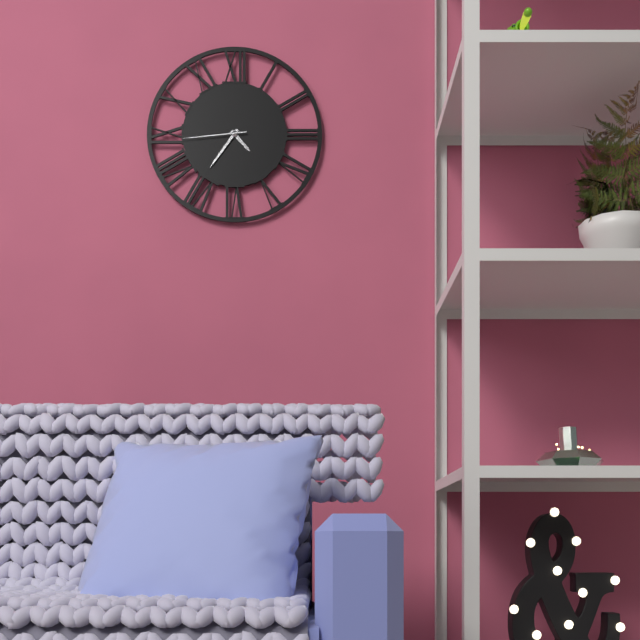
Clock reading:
**4:36:44**
